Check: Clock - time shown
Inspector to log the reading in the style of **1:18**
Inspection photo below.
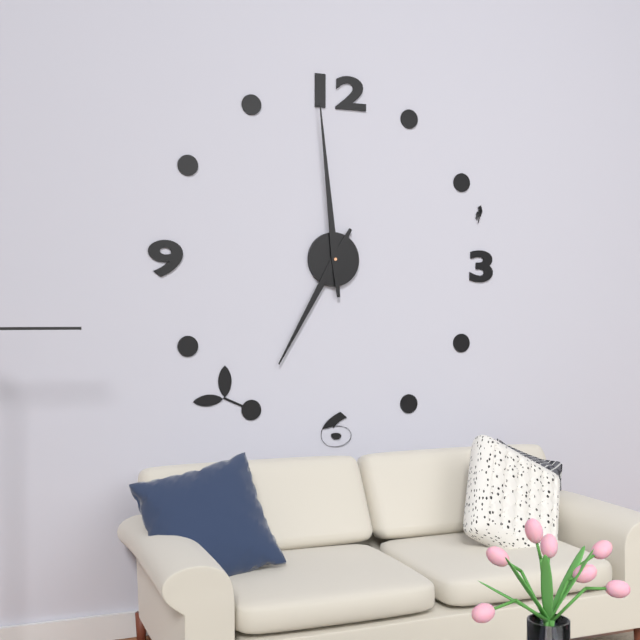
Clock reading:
**6:59**
